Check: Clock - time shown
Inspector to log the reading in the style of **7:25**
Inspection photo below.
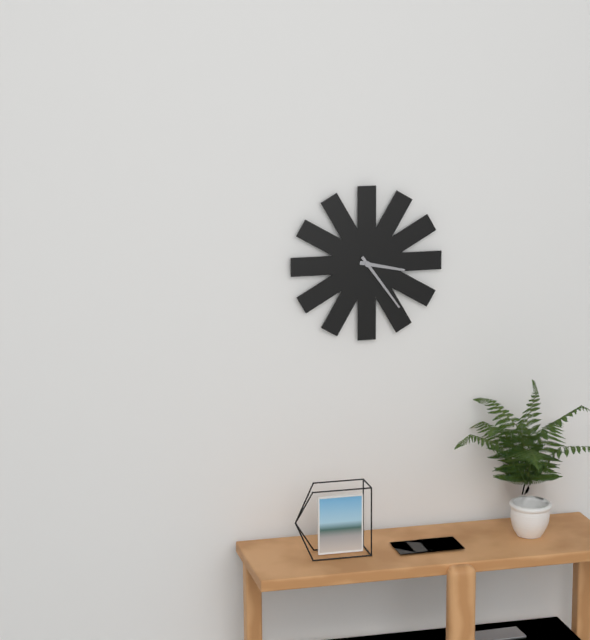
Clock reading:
**3:24**
